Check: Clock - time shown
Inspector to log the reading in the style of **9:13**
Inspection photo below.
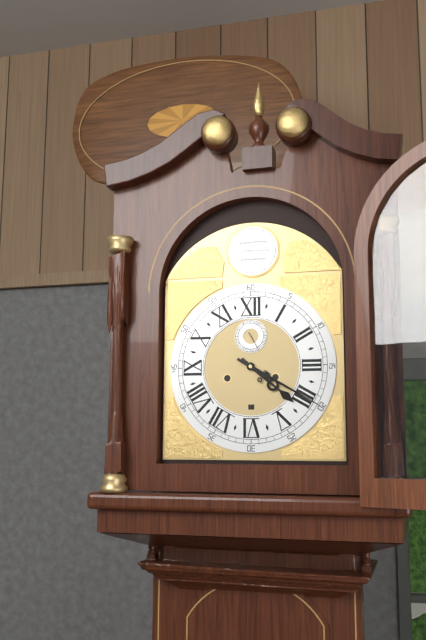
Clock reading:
**4:20**
